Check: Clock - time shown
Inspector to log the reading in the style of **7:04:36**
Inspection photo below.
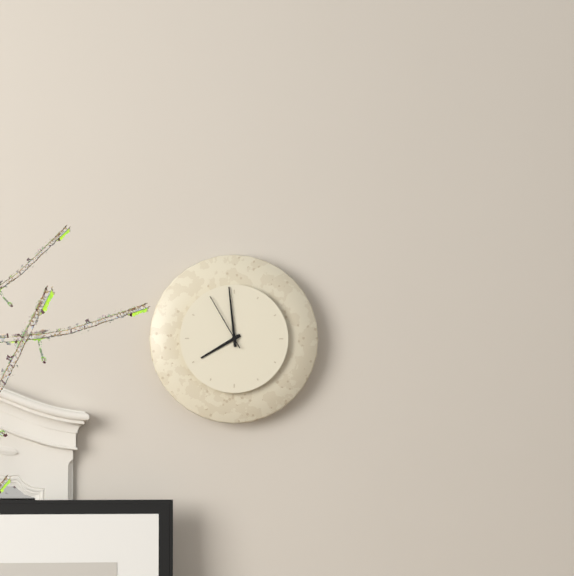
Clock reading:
**7:59:55**
